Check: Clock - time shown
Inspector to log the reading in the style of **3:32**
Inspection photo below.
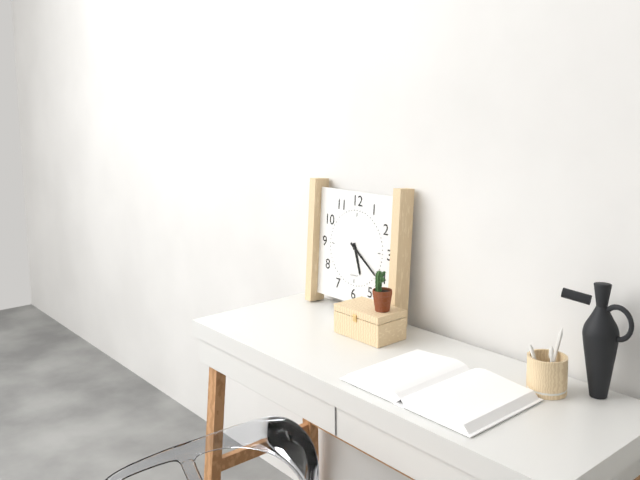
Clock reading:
**5:21**
